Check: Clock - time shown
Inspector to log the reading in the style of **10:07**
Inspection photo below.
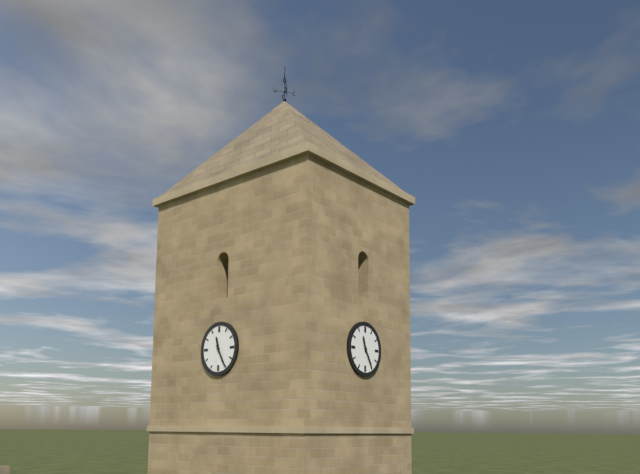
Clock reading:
**11:25**
